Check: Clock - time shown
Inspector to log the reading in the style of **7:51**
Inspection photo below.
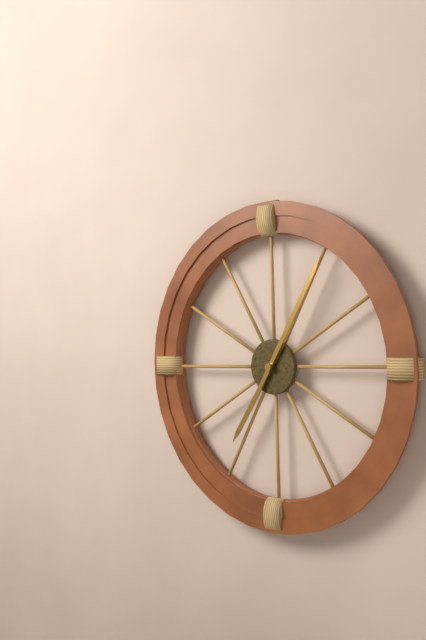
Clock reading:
**7:05**
